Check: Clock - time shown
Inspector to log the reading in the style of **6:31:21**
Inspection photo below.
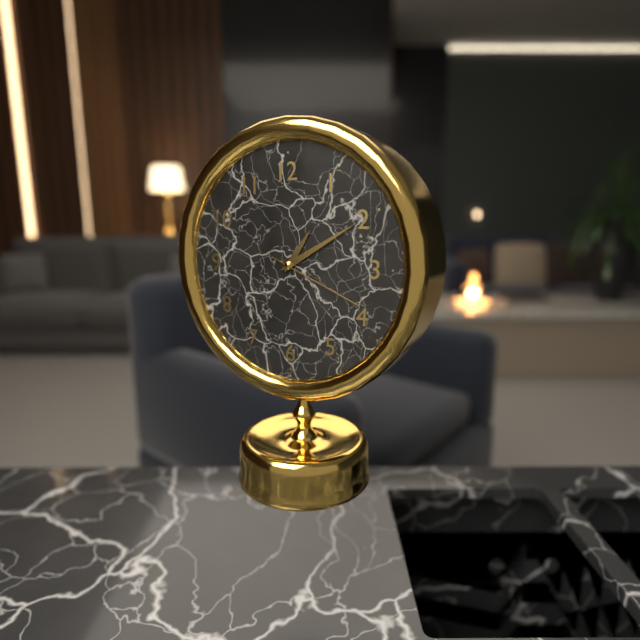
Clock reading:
**1:10:19**
